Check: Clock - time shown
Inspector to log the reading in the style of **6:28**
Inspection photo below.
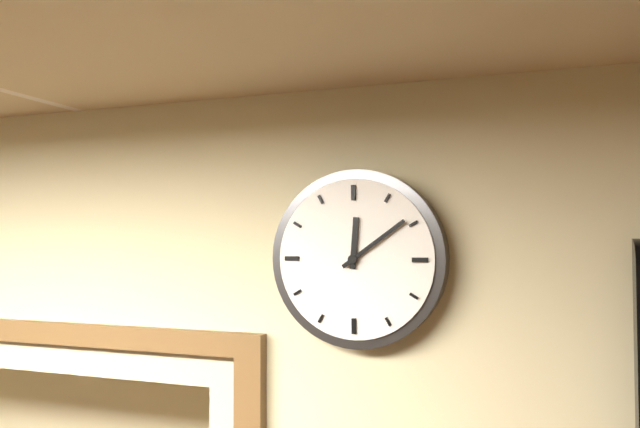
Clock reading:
**12:09**
